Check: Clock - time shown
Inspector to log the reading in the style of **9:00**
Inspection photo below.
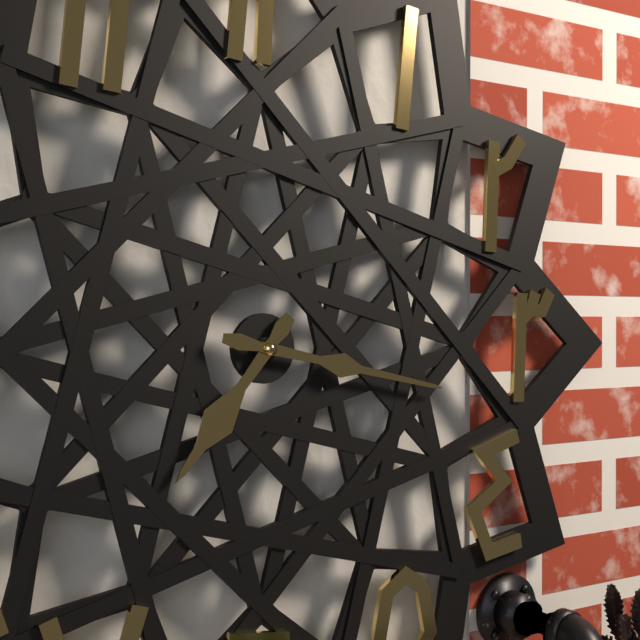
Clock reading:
**7:17**
